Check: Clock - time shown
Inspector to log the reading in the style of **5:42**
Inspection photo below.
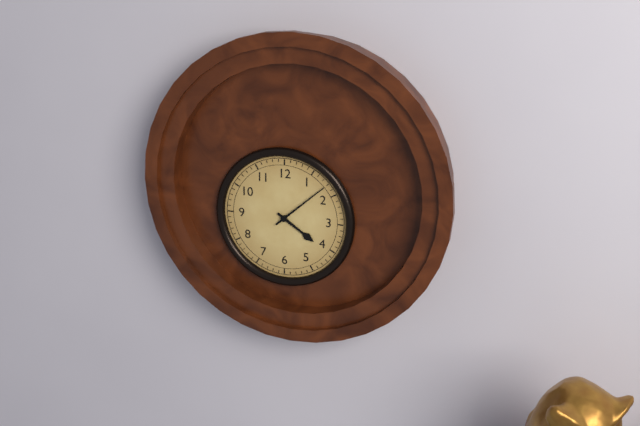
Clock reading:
**4:08**
